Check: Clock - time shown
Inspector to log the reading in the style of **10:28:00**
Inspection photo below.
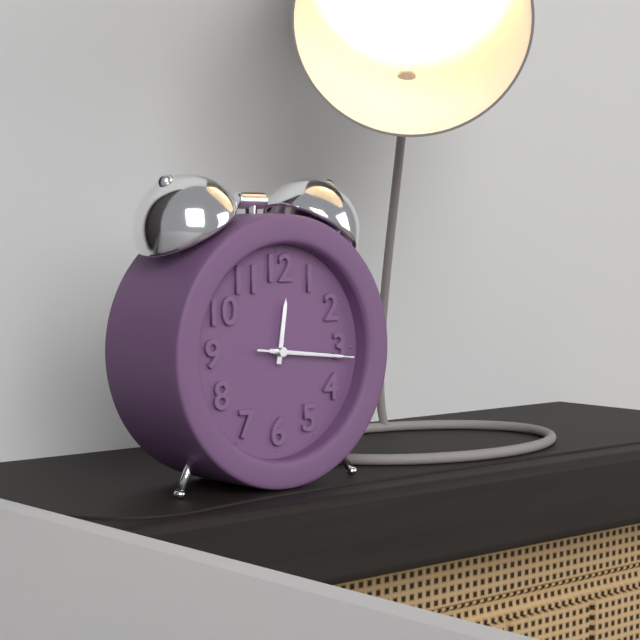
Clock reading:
**12:16:16**
